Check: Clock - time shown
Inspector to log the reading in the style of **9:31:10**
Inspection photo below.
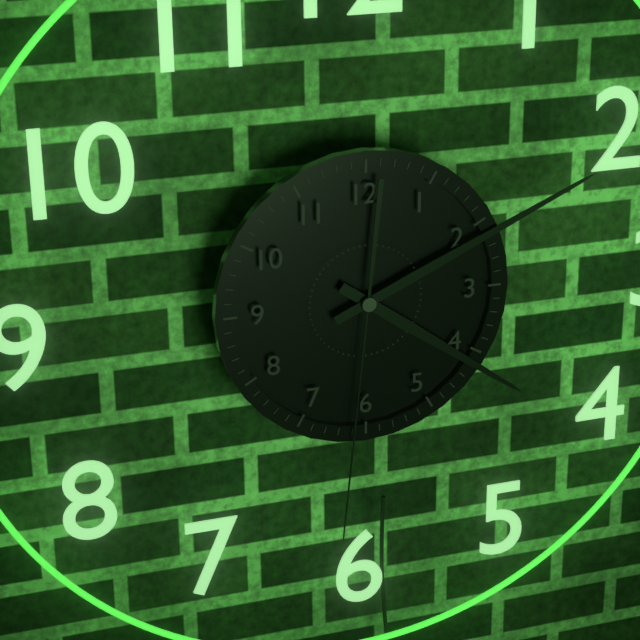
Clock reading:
**4:11:31**
